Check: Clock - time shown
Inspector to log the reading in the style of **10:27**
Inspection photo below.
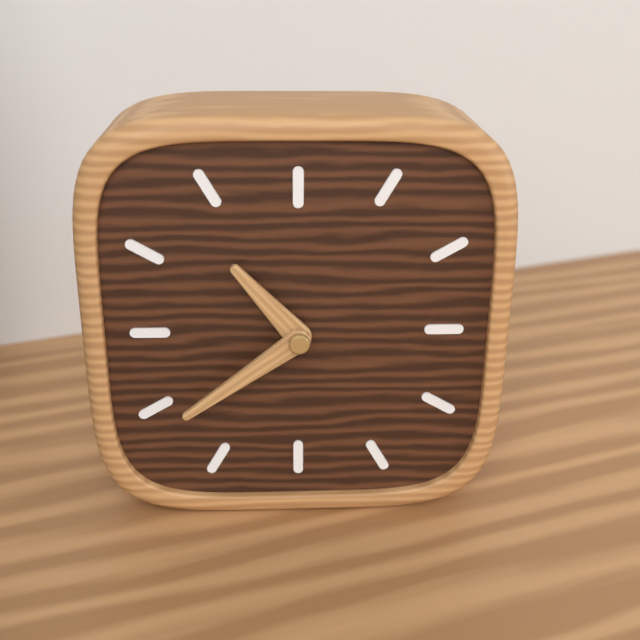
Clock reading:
**10:39**
